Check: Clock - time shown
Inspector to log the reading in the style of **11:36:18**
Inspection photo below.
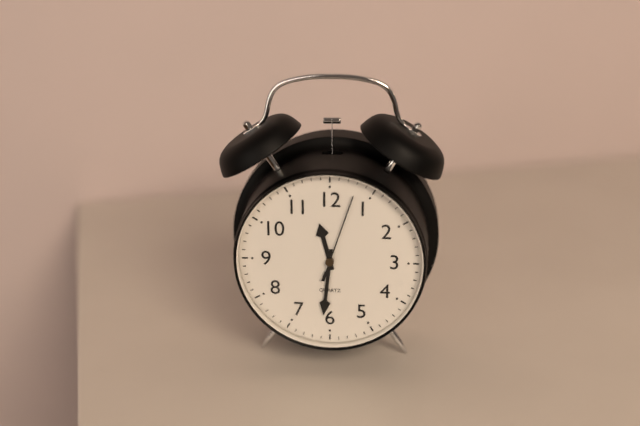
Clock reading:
**11:31:03**
